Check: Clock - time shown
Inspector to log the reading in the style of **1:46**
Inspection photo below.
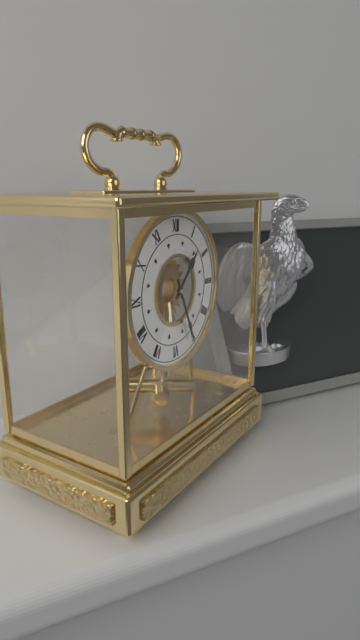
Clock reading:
**1:26**
